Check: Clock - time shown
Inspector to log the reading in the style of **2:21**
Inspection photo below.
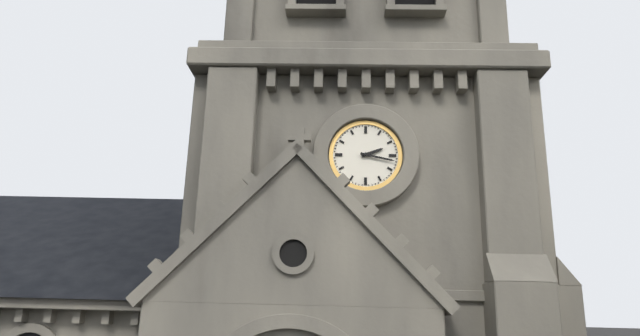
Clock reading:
**2:17**
